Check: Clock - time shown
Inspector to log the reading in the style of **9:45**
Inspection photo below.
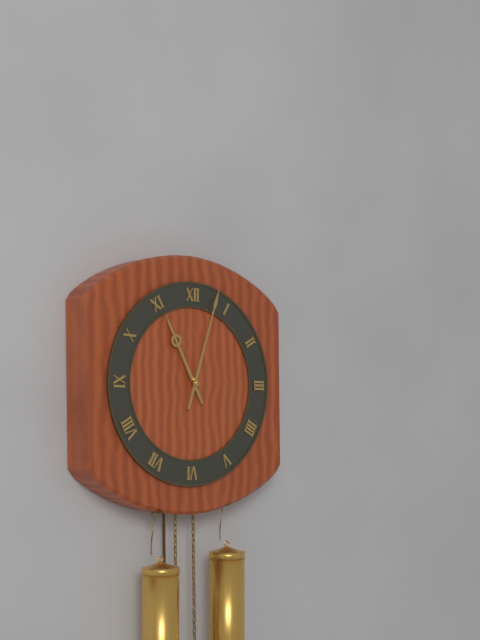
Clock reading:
**11:03**
